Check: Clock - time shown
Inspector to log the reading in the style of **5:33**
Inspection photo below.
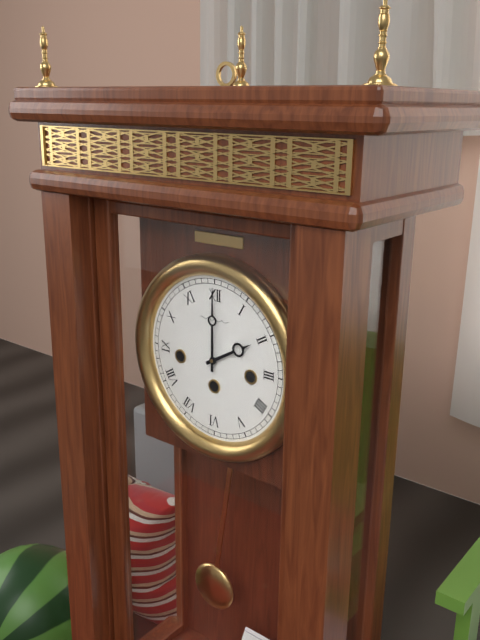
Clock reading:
**2:00**
